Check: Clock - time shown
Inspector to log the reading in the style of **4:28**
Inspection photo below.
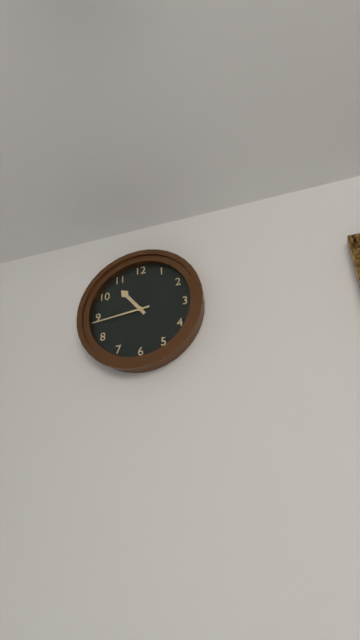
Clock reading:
**10:44**
